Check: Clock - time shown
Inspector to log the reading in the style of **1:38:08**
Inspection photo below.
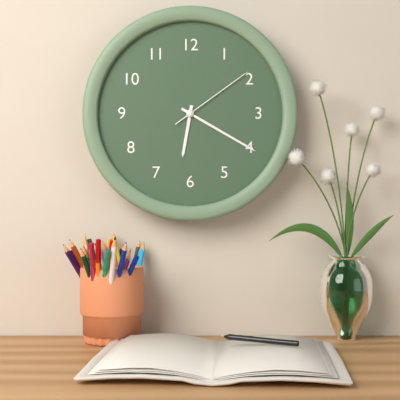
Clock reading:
**6:20:09**
